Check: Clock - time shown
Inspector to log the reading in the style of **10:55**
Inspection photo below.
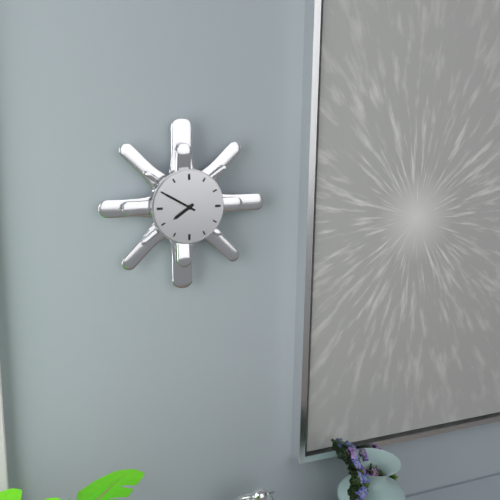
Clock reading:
**7:50**
